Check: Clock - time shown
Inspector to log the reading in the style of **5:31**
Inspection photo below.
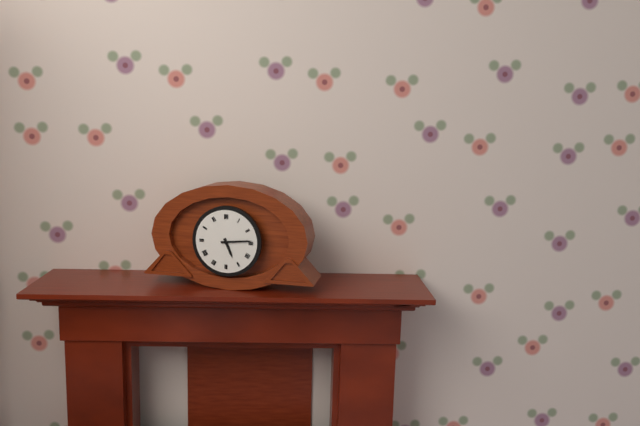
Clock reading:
**5:14**
